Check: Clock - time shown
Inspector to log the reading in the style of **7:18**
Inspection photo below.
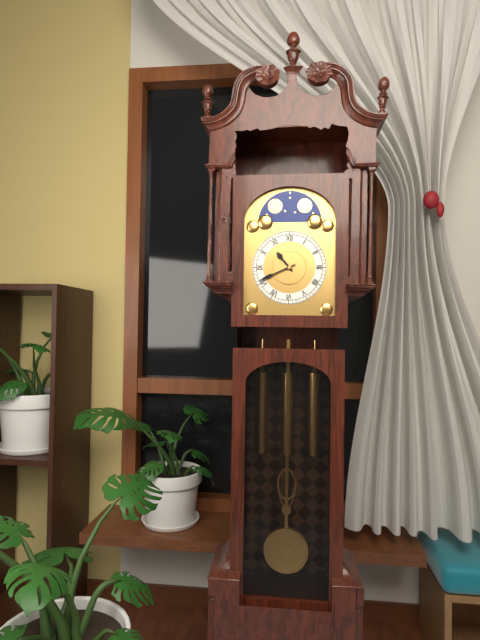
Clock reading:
**10:41**
